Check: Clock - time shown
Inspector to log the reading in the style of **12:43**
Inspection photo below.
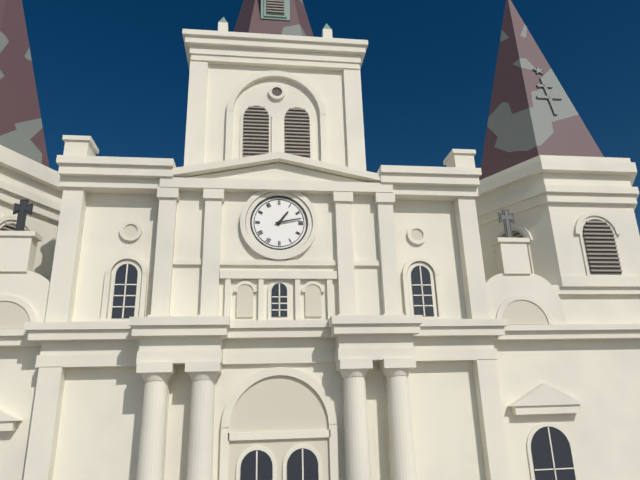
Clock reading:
**1:13**
